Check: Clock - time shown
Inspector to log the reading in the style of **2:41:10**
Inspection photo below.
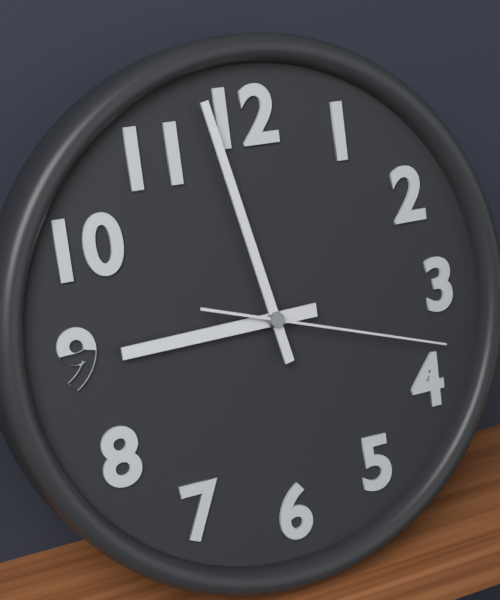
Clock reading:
**8:58:18**
